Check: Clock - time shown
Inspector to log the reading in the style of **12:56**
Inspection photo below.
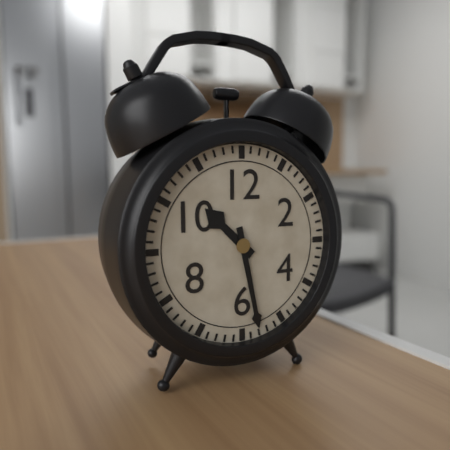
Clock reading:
**10:28**
